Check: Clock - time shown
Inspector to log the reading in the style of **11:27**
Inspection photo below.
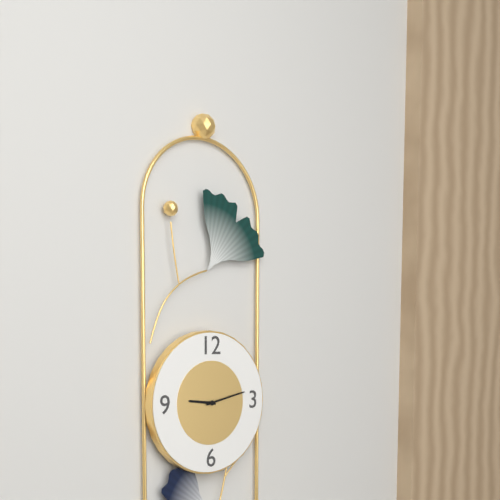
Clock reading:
**9:13**
